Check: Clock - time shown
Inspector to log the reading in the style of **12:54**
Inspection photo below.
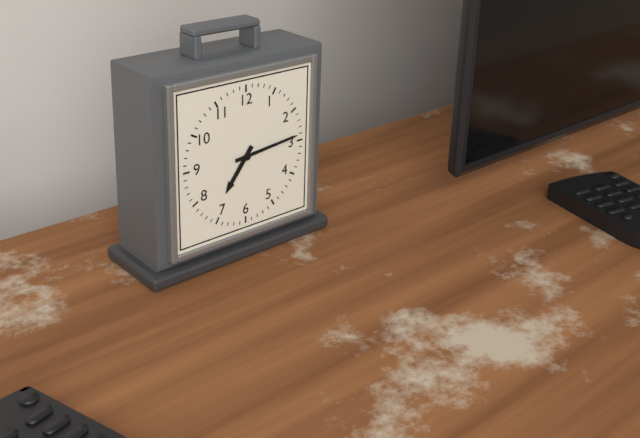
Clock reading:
**7:14**
